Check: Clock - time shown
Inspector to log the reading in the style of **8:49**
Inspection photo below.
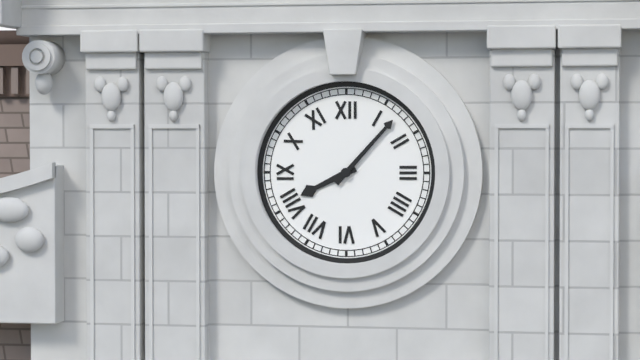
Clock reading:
**8:07**
